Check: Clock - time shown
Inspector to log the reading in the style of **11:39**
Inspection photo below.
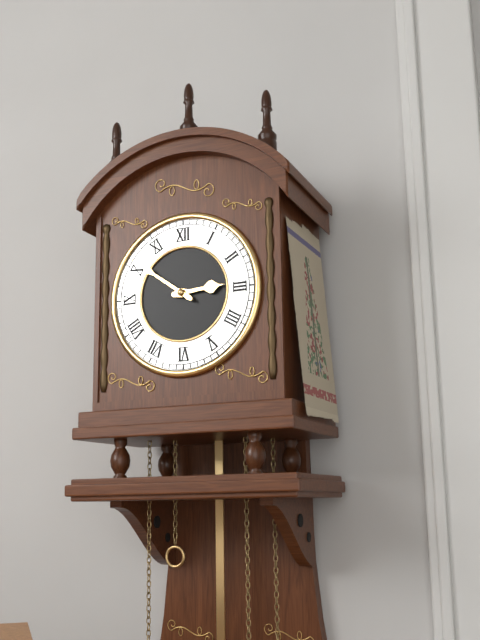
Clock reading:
**2:51**
